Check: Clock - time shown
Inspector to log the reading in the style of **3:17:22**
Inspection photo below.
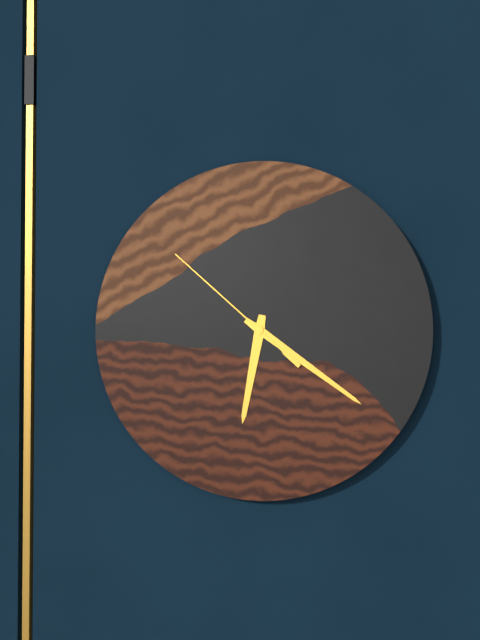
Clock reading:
**6:21:52**
